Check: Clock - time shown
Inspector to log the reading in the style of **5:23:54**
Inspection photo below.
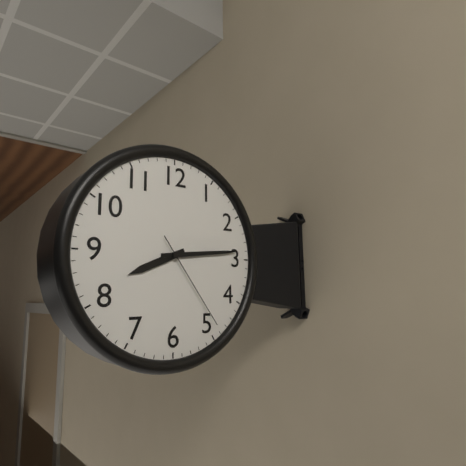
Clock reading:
**8:14:24**
